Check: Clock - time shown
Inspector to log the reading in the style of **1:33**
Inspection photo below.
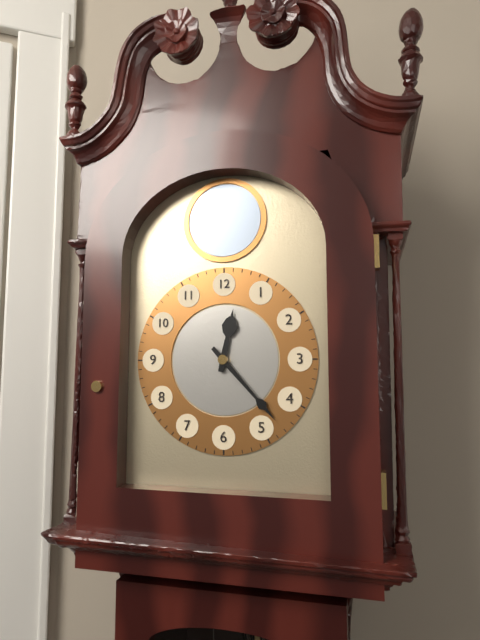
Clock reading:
**12:23**
